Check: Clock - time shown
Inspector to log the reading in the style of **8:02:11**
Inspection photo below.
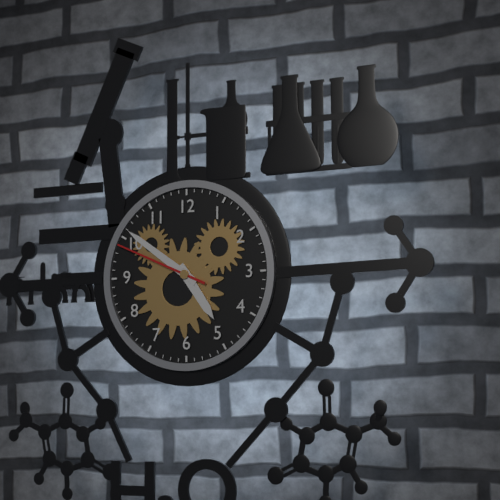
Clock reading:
**4:51:49**
